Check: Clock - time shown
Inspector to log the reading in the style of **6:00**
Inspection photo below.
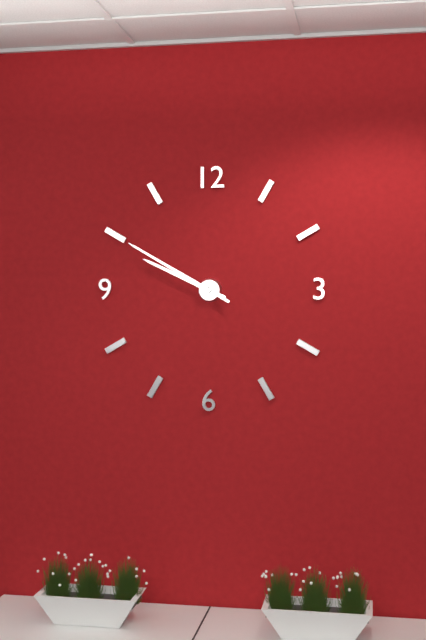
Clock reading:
**9:50**
